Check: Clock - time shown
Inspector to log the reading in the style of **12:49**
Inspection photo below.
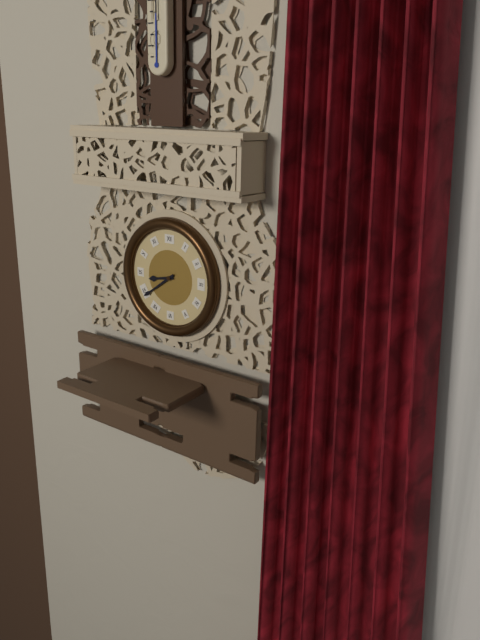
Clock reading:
**8:39**
